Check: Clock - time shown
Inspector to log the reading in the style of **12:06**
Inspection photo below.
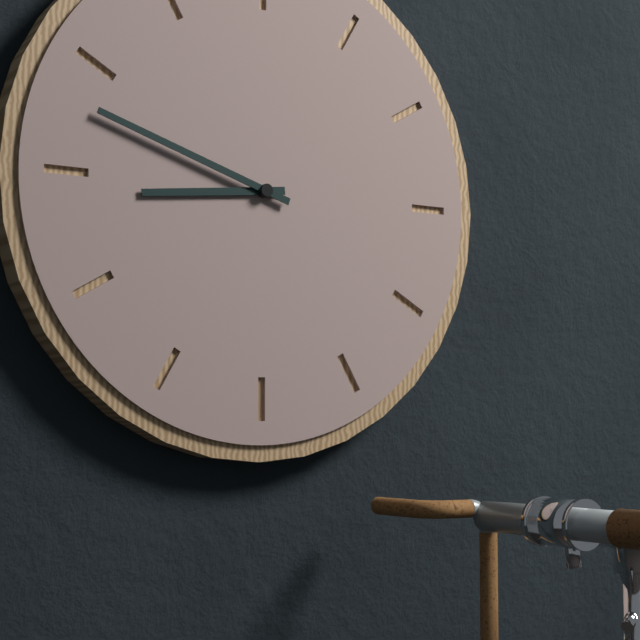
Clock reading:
**8:48**
